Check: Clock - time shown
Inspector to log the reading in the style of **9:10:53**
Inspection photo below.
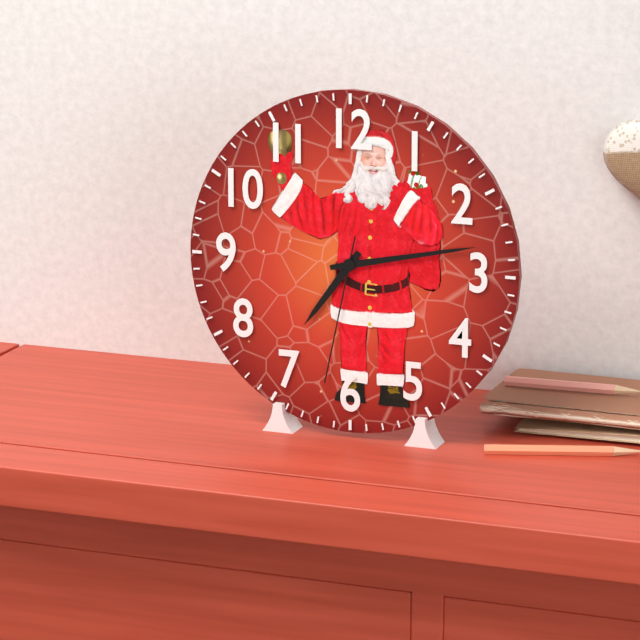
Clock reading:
**7:13:32**
